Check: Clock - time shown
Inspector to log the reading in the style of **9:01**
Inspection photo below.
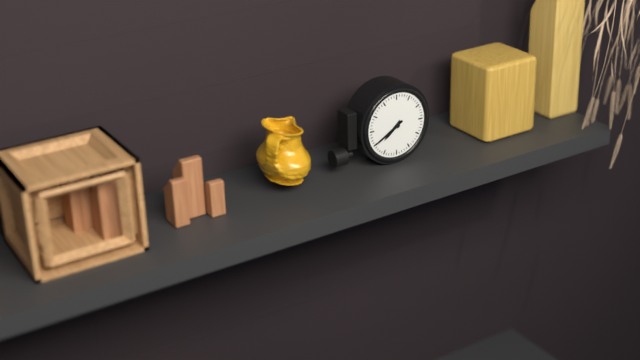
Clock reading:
**7:40**
